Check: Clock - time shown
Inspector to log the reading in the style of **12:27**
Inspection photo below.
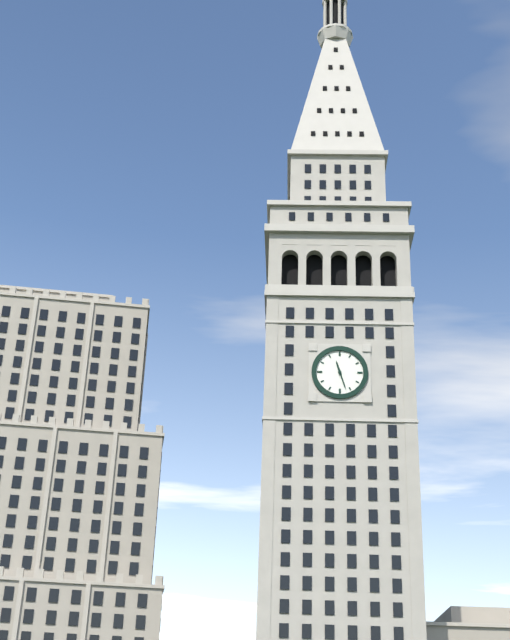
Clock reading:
**11:27**
